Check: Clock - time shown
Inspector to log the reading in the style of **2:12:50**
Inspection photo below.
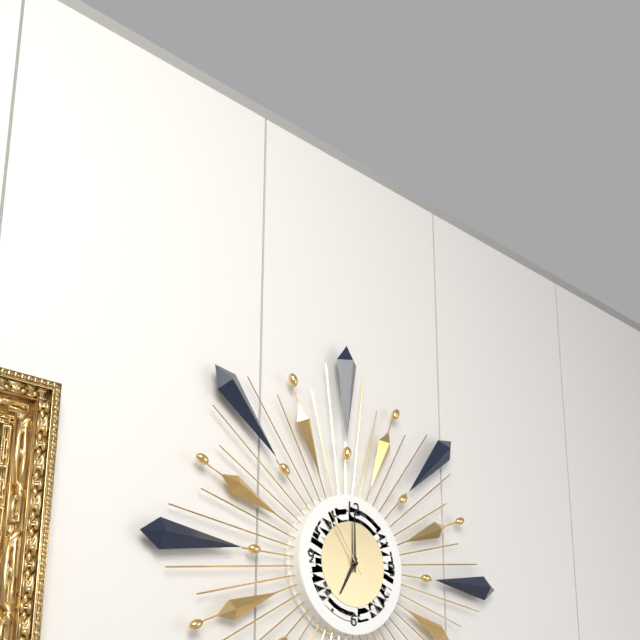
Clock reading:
**7:00:54**
